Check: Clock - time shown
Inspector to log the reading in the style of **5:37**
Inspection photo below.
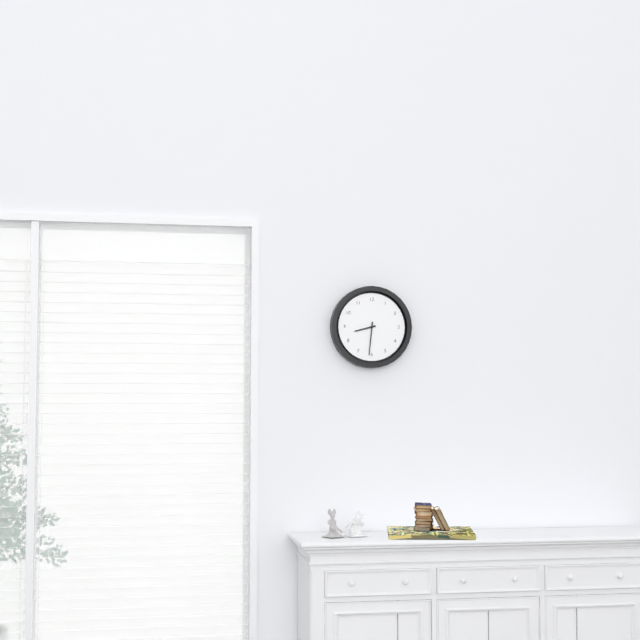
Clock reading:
**8:31**
